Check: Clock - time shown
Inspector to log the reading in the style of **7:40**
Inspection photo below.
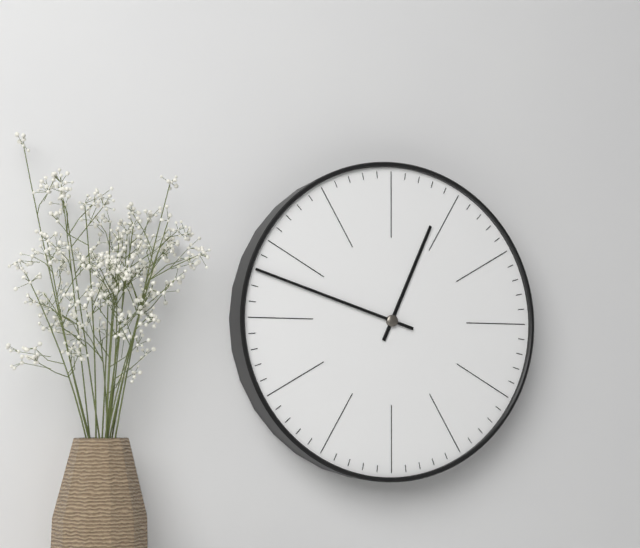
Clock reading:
**12:48**
